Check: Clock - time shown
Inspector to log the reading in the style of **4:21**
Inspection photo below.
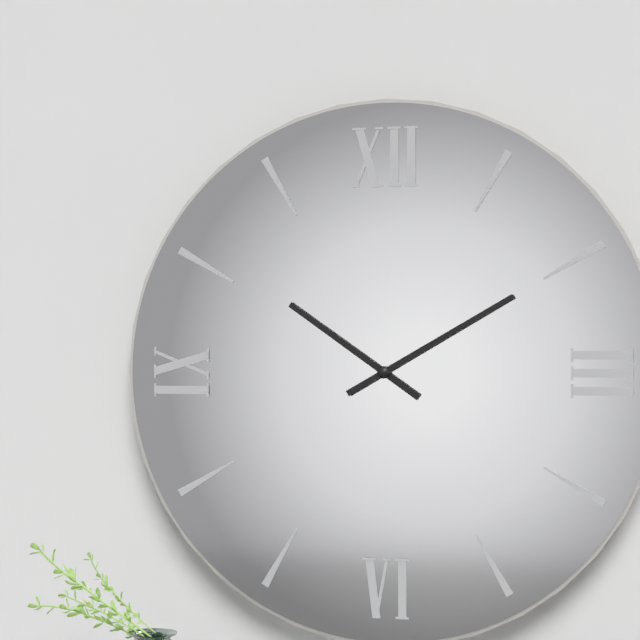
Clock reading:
**10:10**
